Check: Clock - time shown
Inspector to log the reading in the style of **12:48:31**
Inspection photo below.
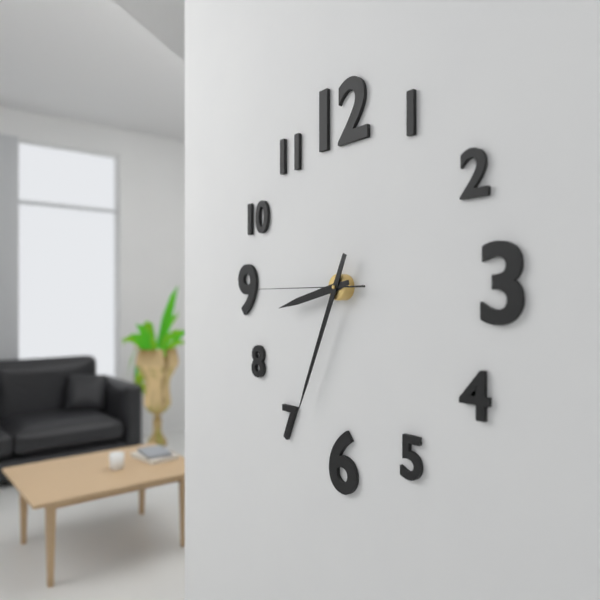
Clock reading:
**8:34:45**
